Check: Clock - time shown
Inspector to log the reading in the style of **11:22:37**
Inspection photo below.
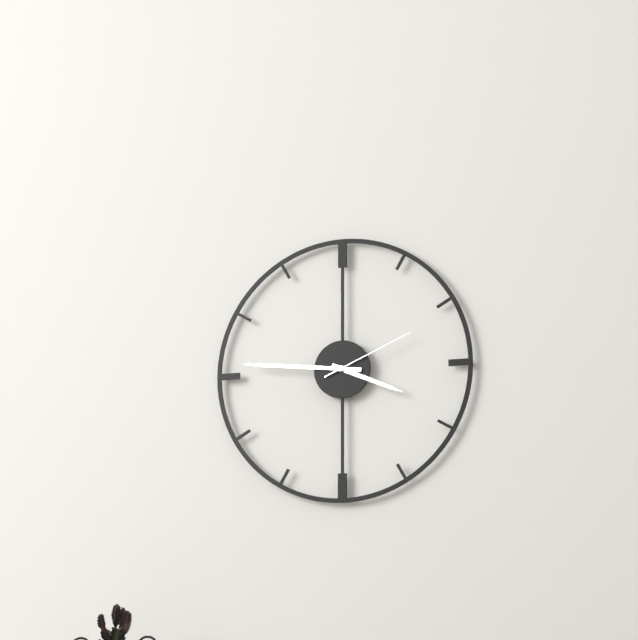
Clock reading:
**3:46:11**
